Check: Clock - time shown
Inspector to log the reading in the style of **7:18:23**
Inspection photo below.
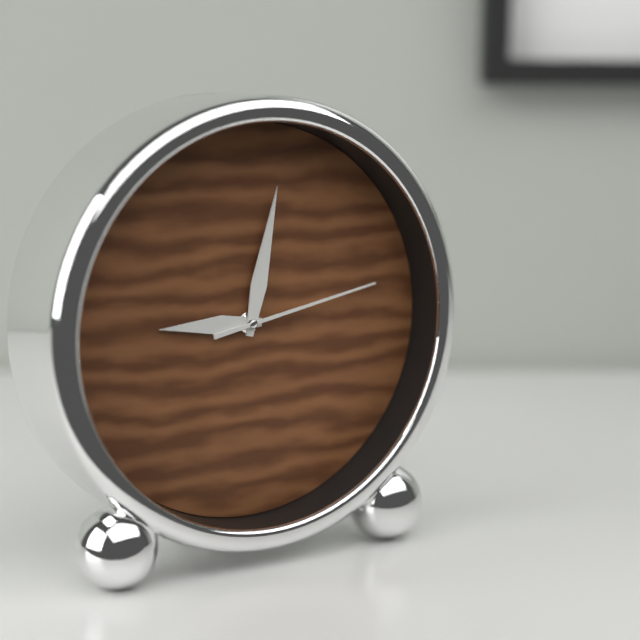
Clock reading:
**9:02:13**
